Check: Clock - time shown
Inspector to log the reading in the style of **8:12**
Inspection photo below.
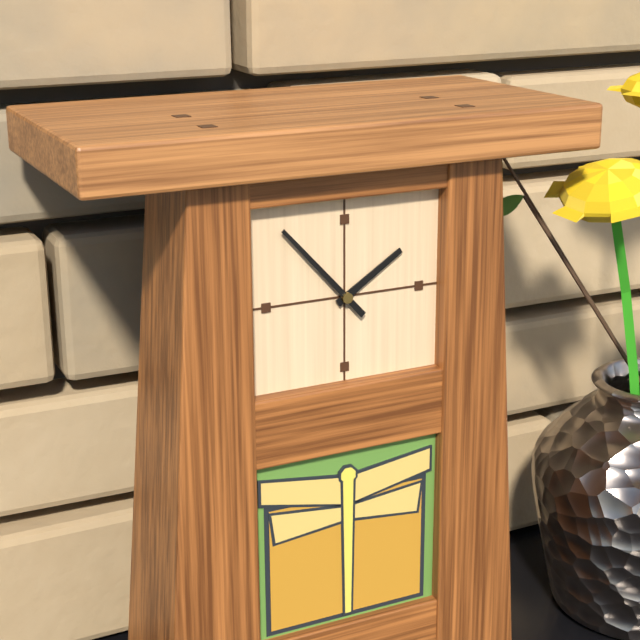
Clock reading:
**1:53**
